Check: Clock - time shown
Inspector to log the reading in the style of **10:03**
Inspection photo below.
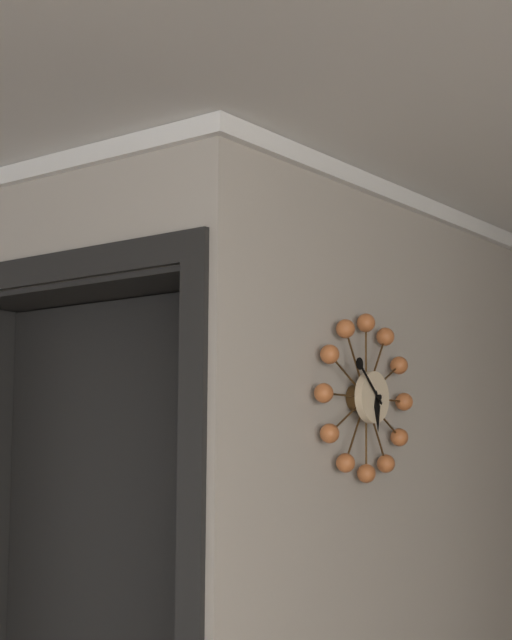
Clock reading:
**5:52**
